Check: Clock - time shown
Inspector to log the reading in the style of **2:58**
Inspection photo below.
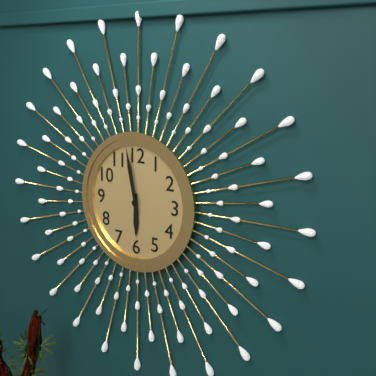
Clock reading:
**5:58**
